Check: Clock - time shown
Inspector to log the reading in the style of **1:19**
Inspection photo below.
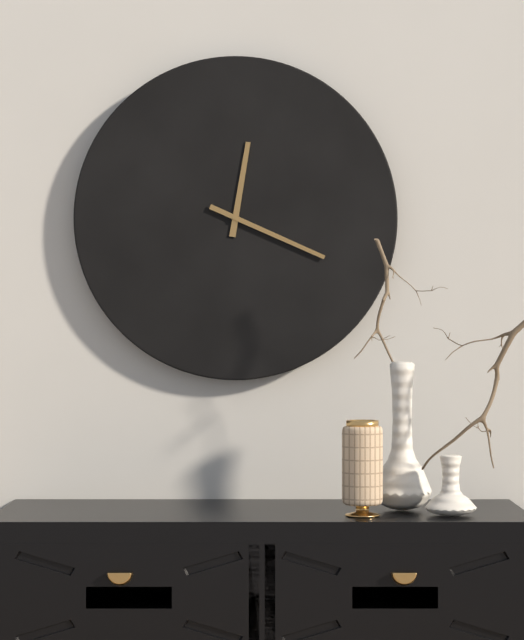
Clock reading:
**12:19**
